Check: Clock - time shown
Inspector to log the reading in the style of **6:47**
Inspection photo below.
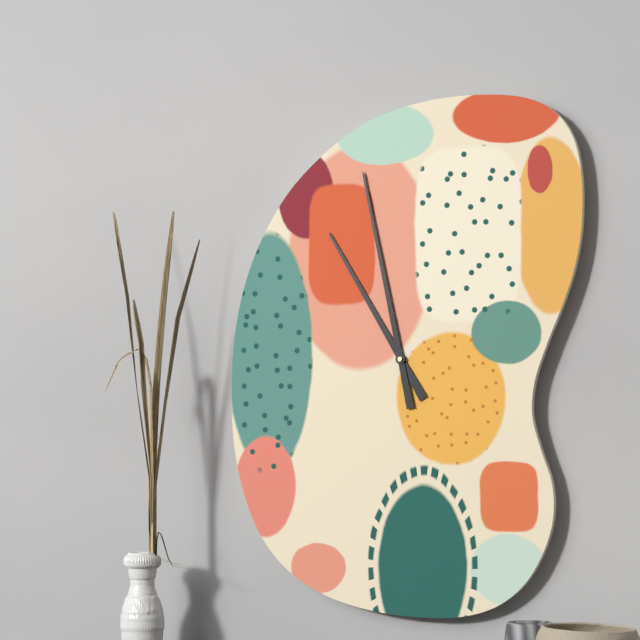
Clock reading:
**10:58**
